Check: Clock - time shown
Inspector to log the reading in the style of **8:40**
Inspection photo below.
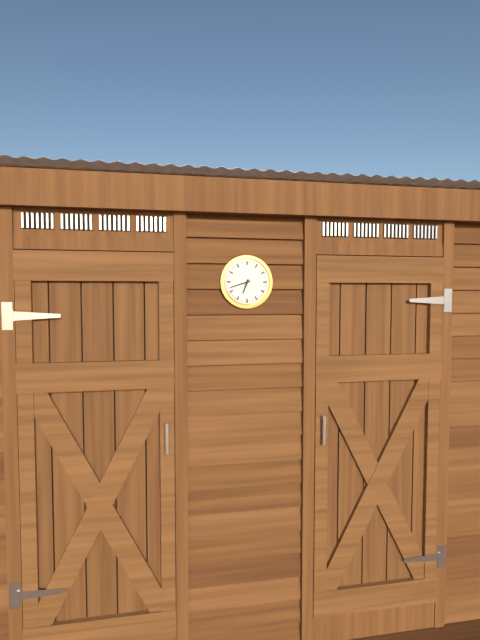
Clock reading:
**6:42**
